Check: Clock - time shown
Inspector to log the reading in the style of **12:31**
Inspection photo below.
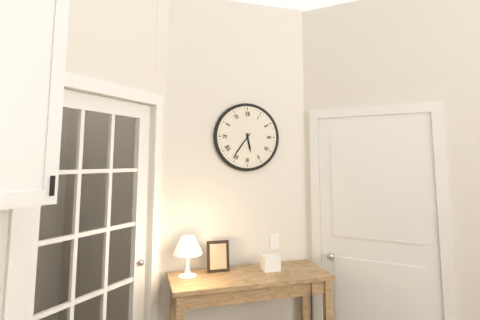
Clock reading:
**5:36**
